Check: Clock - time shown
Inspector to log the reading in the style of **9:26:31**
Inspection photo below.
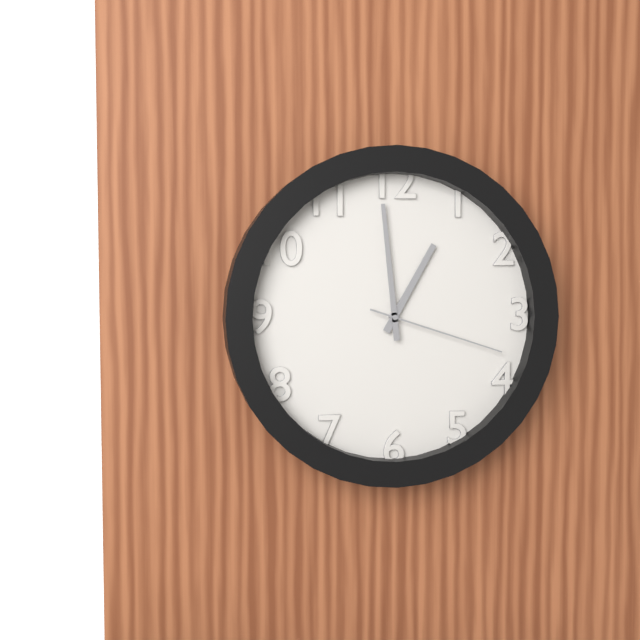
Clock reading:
**12:59:18**
